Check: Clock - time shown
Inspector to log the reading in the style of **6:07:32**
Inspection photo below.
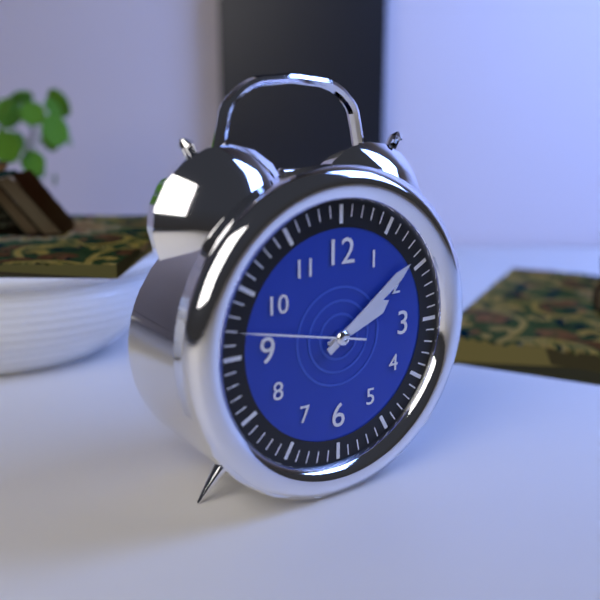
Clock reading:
**2:09:47**
